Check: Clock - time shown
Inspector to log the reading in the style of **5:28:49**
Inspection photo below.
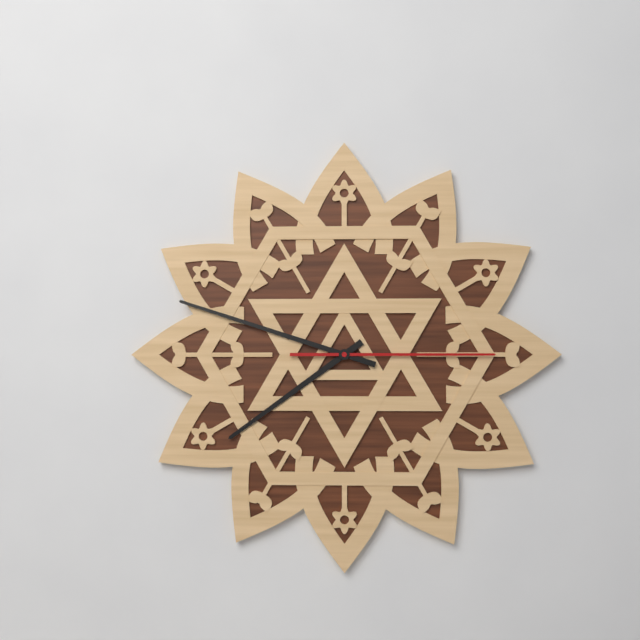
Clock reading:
**7:48:15**
